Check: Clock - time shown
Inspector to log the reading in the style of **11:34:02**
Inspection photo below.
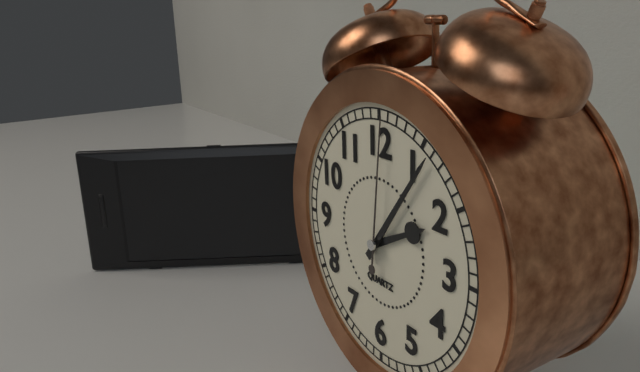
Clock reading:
**2:06:01**
